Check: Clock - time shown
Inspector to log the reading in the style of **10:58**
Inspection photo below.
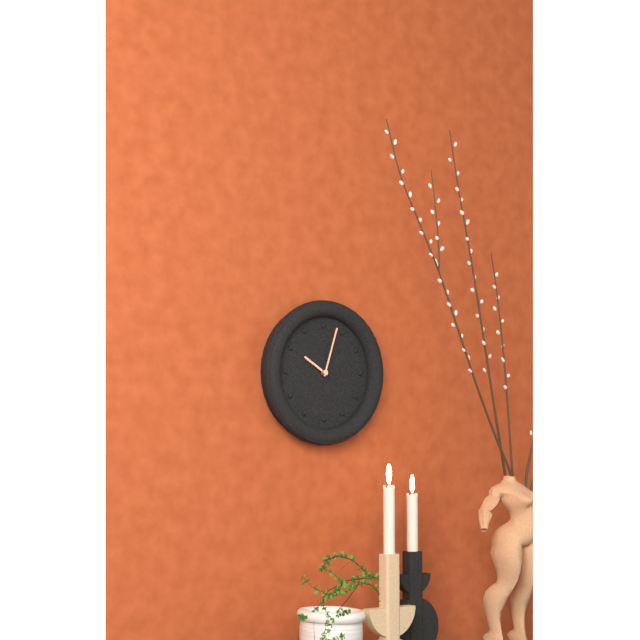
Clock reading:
**10:03**
